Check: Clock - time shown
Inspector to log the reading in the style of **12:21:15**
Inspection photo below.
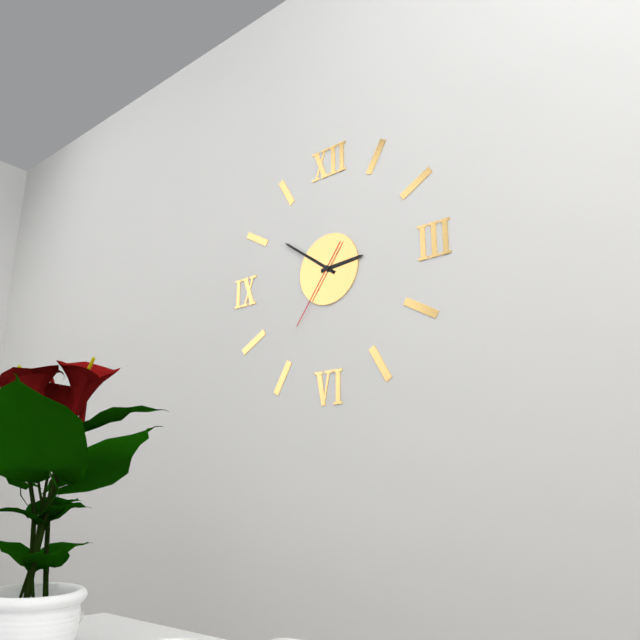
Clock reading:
**2:51:36**
